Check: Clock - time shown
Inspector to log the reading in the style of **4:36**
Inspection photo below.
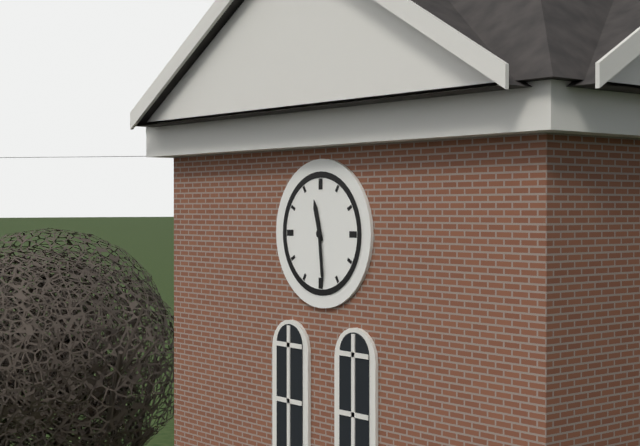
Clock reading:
**11:29**
